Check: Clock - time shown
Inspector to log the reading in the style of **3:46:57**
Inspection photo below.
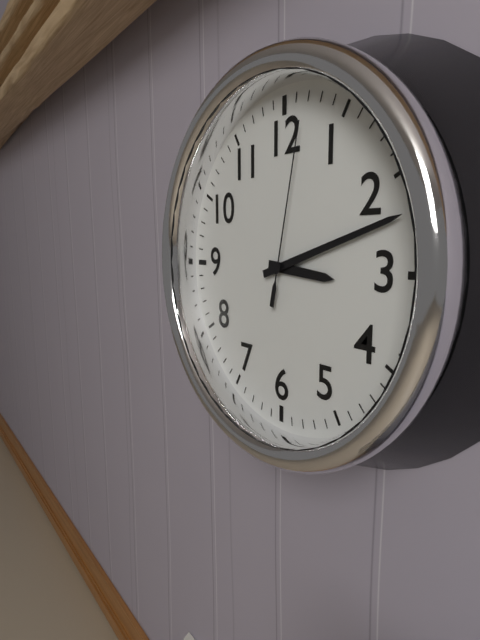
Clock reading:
**3:12:02**
